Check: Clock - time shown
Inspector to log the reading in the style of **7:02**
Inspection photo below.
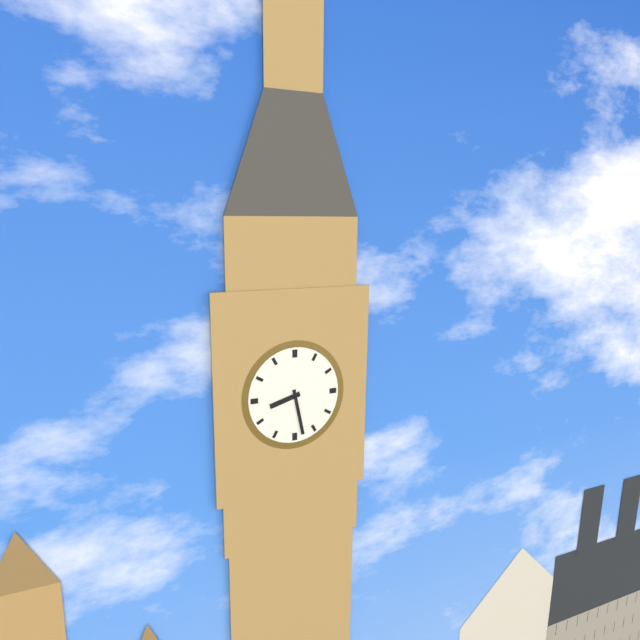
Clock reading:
**8:28**
